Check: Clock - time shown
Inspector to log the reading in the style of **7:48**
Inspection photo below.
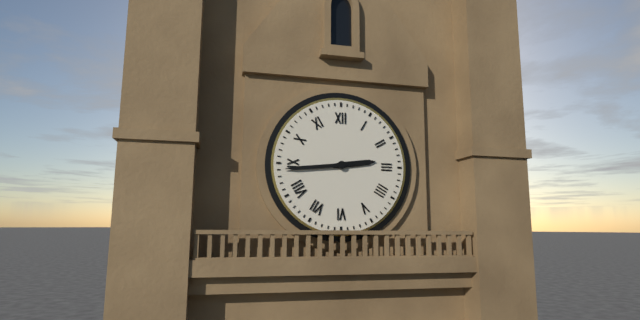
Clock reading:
**2:44**
